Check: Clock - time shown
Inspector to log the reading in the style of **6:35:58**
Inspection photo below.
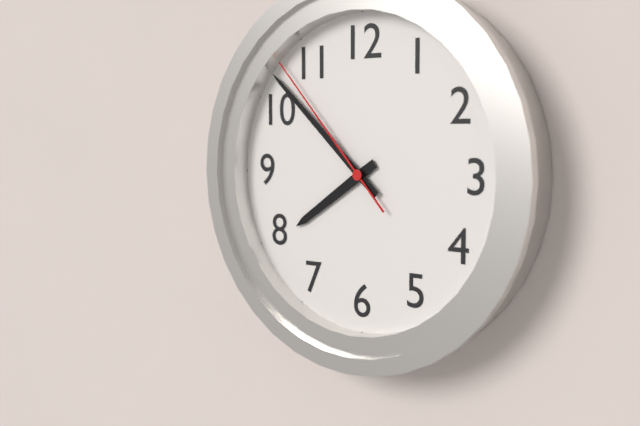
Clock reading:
**7:52:53**
